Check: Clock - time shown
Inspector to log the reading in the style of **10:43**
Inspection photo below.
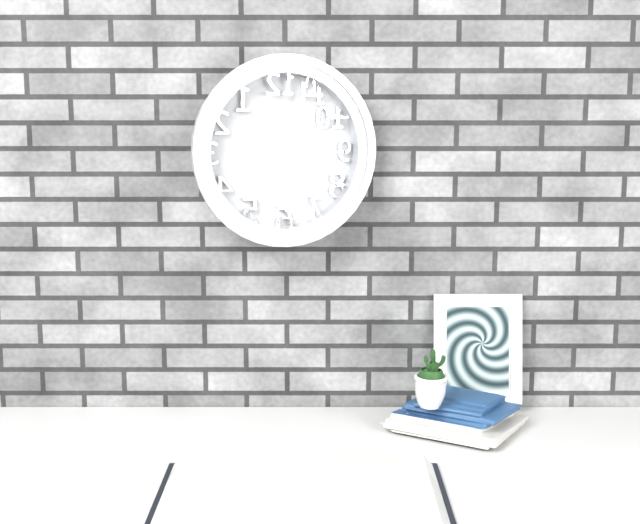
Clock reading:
**3:03**
